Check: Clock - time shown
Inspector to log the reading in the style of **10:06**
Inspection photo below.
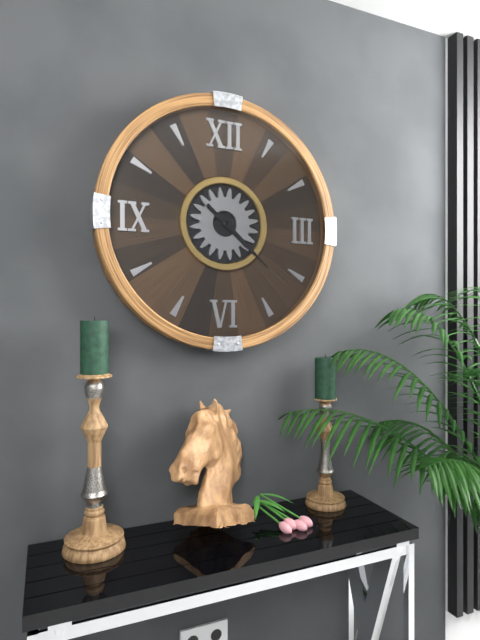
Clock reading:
**4:22**
